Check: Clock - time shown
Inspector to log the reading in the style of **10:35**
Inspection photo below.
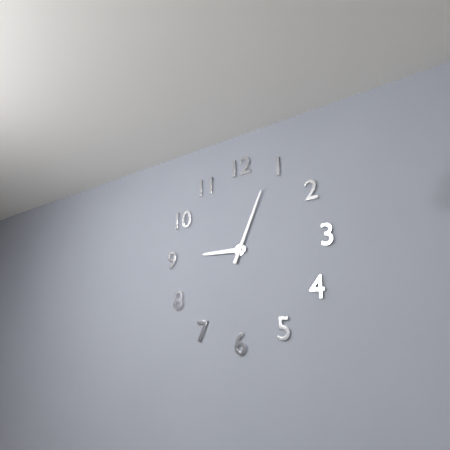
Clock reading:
**9:04**
